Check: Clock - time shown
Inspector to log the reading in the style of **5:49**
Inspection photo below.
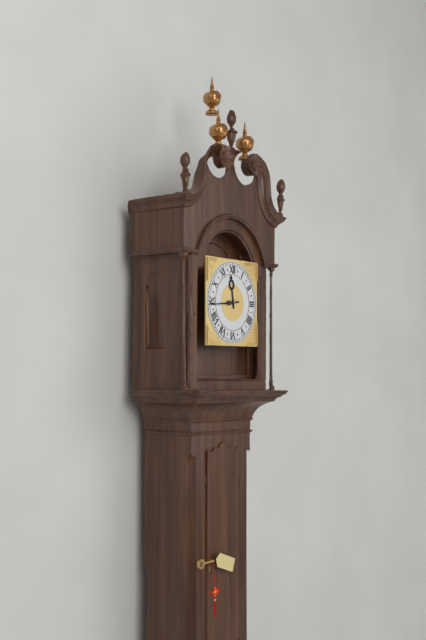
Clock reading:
**11:44**
